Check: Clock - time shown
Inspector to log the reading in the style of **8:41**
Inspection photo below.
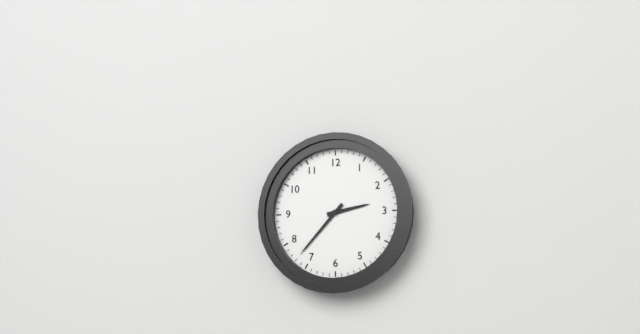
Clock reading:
**2:37**
